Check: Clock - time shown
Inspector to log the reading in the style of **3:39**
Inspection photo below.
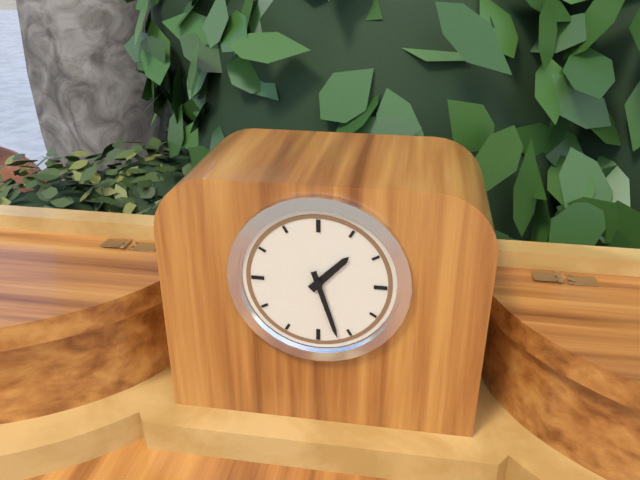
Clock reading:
**1:27**
